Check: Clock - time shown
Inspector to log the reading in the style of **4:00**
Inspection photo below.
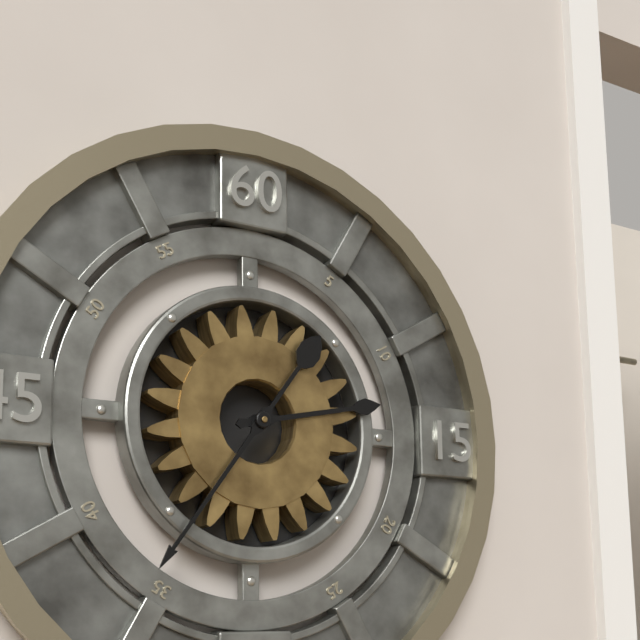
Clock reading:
**2:36**
